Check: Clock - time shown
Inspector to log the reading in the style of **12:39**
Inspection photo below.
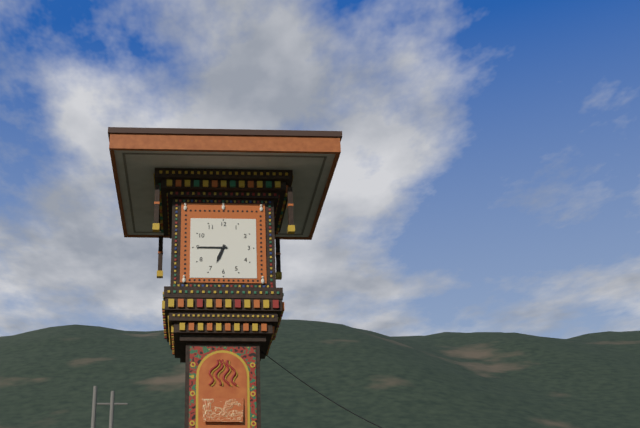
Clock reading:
**6:45**
